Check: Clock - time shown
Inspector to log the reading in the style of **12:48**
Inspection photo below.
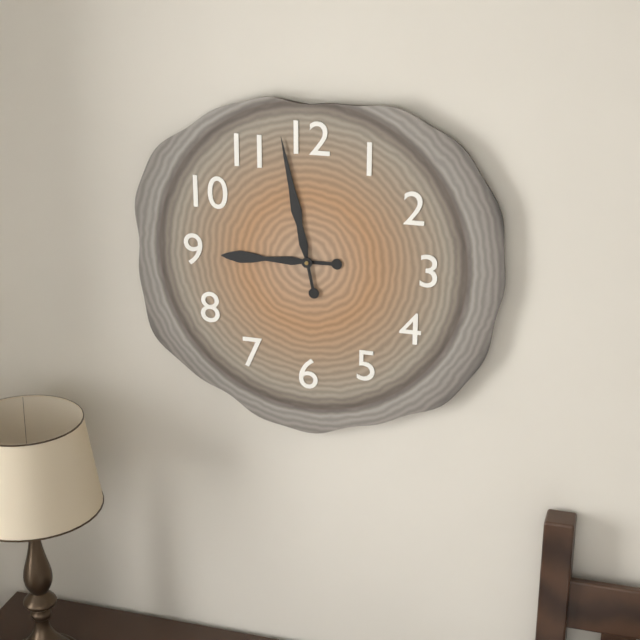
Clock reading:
**8:58**
